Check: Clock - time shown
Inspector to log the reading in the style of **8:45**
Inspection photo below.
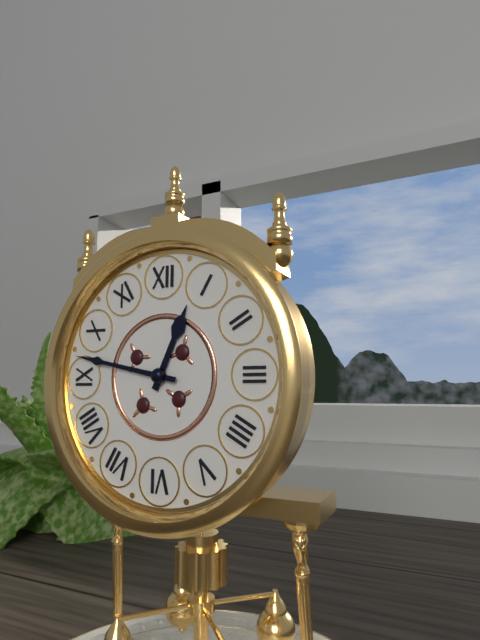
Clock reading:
**12:47**
